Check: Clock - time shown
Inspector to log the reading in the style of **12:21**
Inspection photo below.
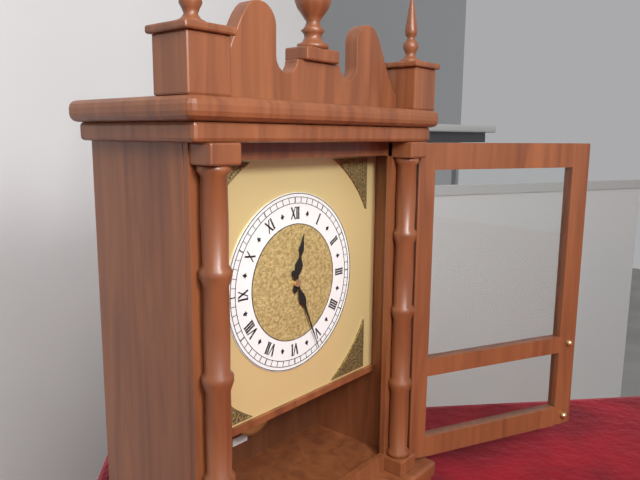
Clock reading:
**12:26**
